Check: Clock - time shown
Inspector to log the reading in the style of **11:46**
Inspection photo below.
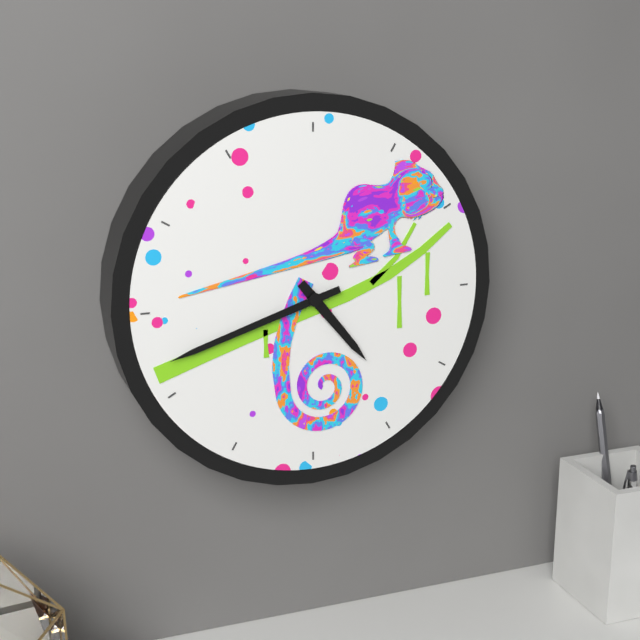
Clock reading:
**4:42**
